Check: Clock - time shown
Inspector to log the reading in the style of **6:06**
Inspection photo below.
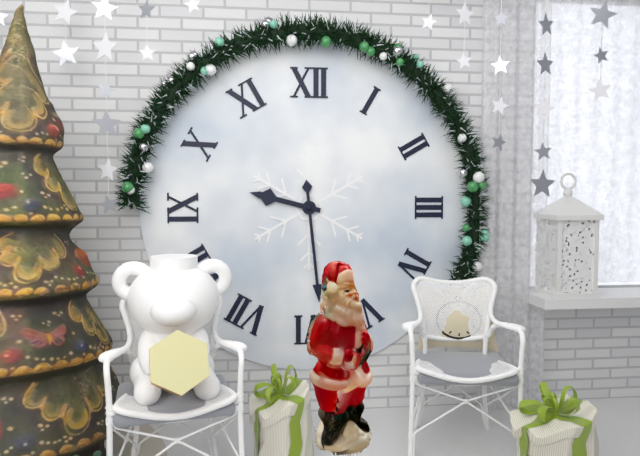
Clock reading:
**9:29**
